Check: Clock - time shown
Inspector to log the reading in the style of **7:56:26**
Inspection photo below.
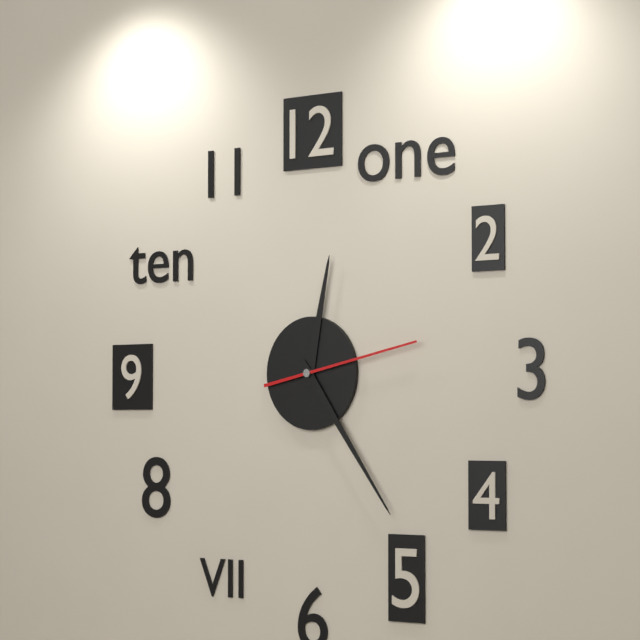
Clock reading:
**12:24:13**
